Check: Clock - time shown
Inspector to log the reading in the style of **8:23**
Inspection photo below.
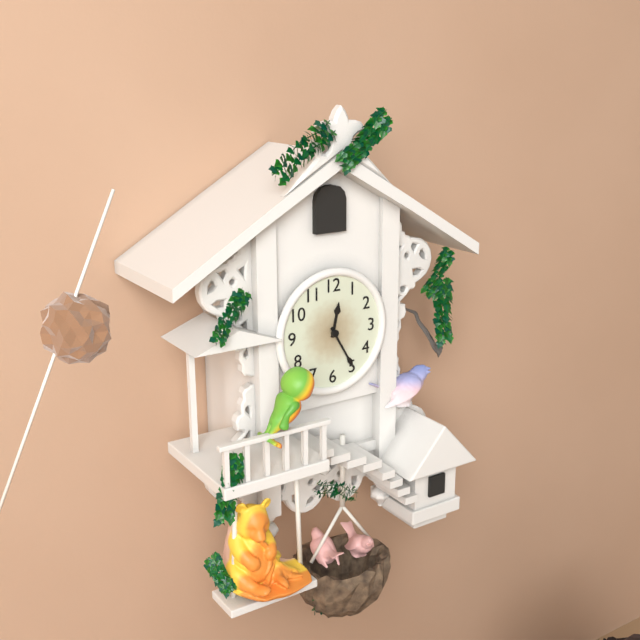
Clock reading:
**12:25**
